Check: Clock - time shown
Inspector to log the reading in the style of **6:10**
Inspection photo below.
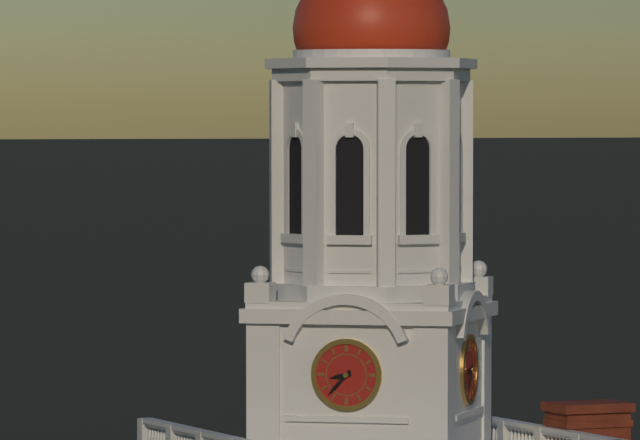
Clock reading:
**8:37**
